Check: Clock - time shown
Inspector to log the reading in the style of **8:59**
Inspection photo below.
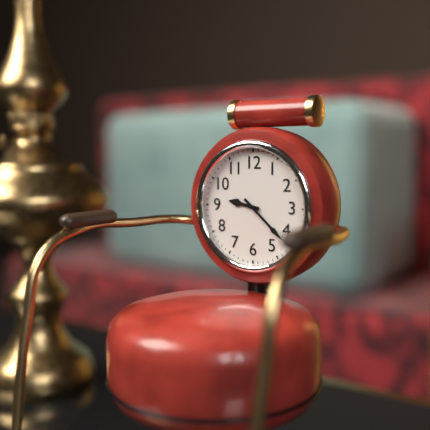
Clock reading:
**9:22**
